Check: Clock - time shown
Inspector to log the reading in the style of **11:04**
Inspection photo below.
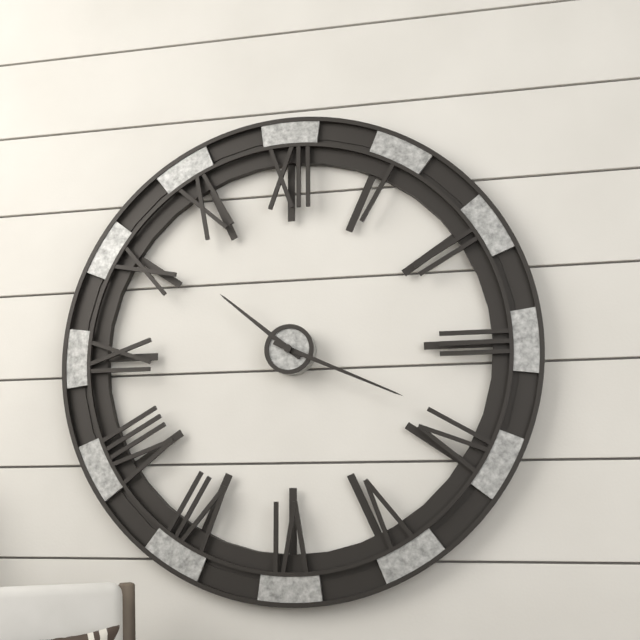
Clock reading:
**10:19**
